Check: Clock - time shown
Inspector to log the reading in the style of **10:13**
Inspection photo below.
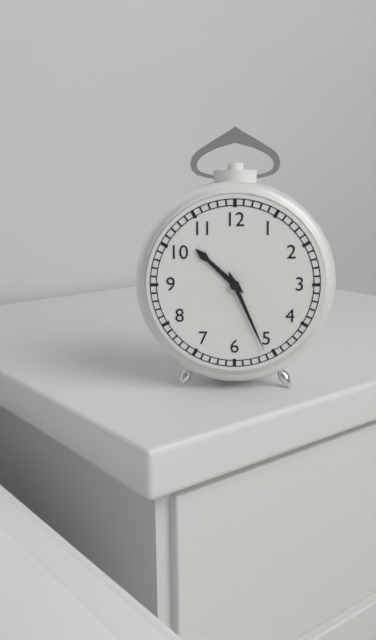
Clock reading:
**10:26**
